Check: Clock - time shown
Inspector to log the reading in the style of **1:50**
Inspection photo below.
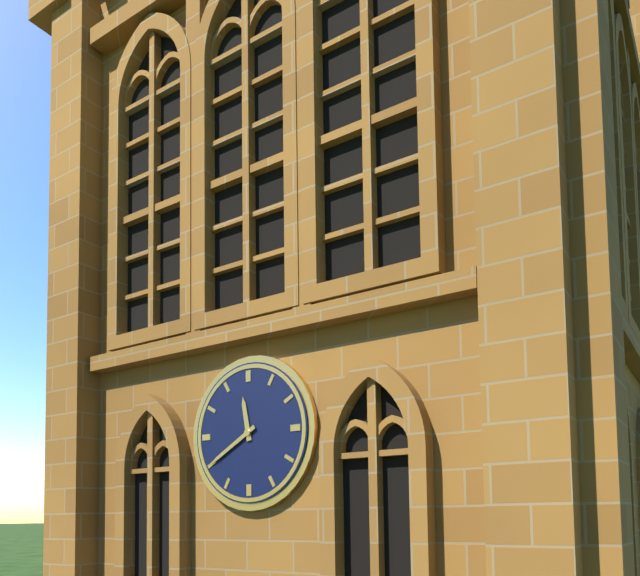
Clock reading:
**11:40**
